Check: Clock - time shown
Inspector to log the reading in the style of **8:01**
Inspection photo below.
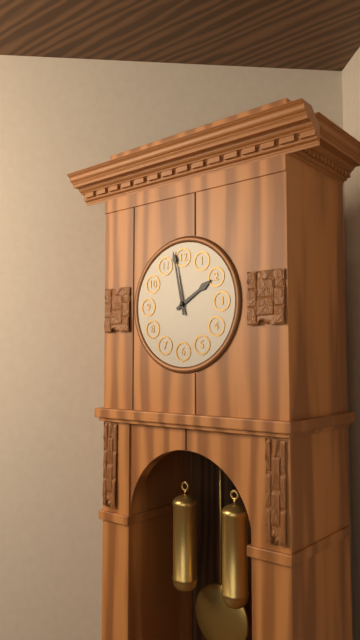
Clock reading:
**1:58**
